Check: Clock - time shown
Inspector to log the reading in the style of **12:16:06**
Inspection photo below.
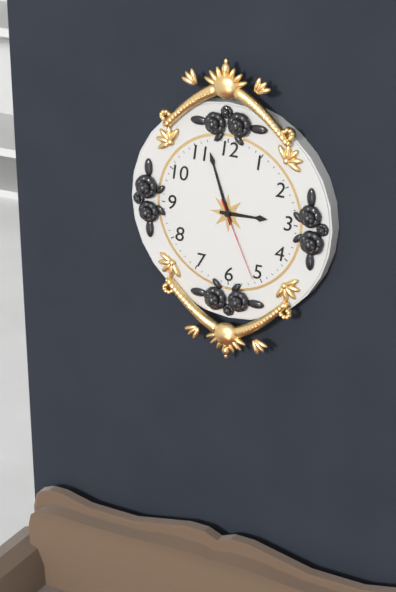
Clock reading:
**2:57:26**
